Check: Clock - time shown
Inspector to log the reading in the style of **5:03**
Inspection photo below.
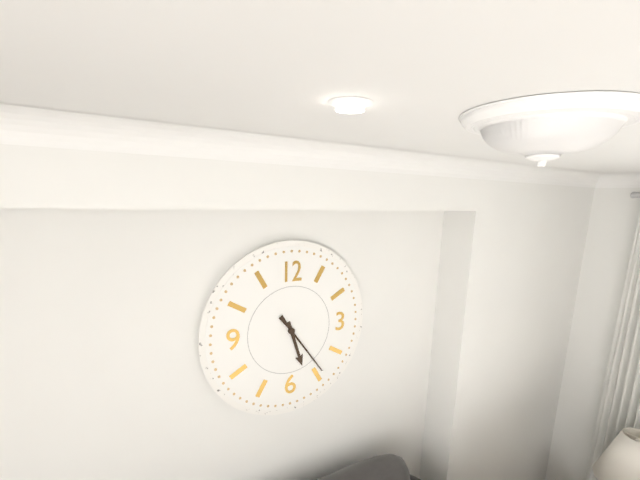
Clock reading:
**5:24**
